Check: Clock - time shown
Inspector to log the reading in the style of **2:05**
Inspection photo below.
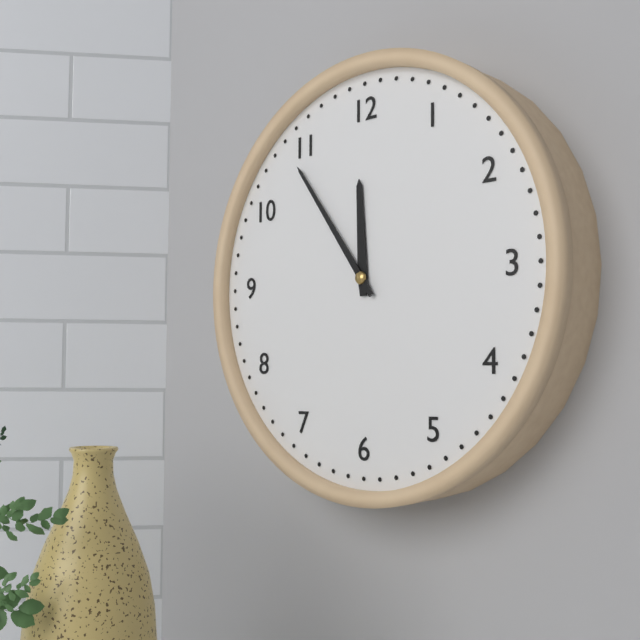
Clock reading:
**11:54**
